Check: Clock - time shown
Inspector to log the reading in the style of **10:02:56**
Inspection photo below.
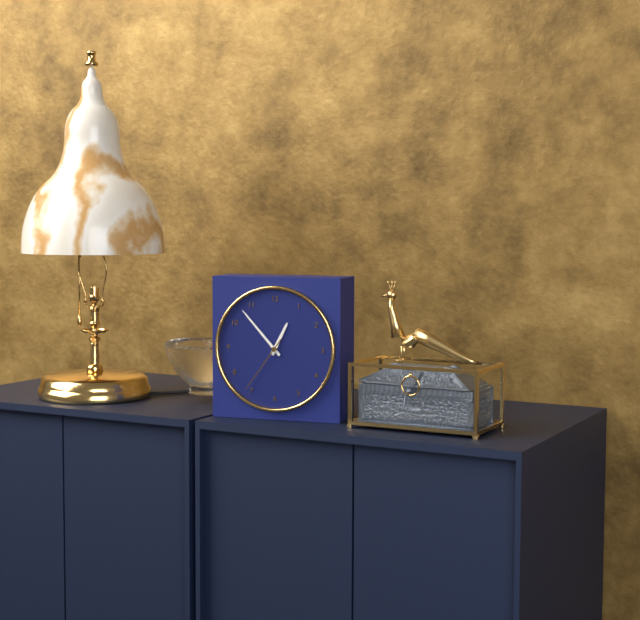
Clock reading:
**12:53:36**
